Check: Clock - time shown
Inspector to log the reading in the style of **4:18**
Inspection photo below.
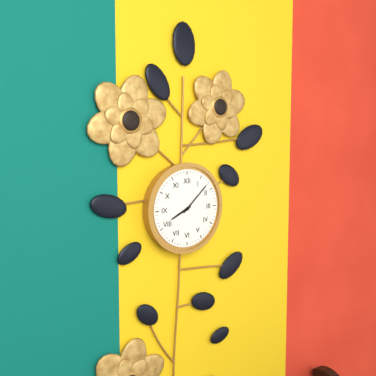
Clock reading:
**8:08**
